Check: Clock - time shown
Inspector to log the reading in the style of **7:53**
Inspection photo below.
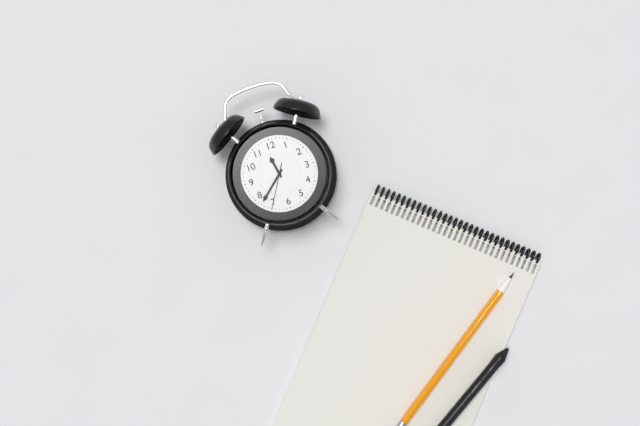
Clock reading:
**11:38**
